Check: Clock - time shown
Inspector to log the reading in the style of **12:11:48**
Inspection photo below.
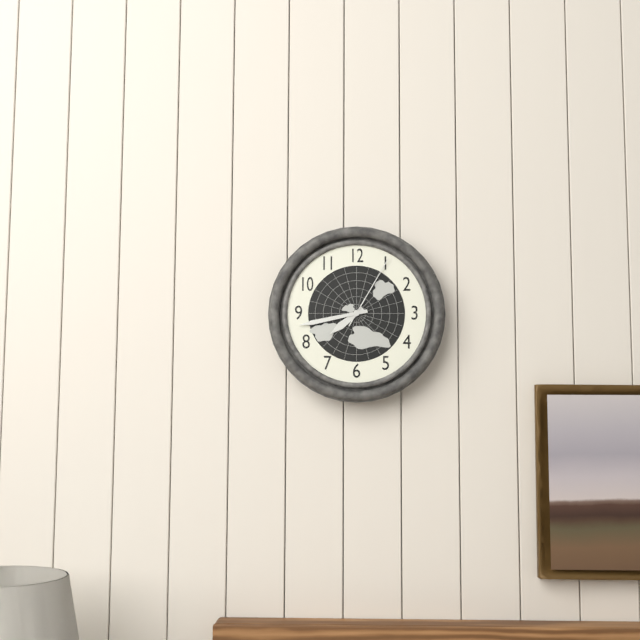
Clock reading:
**7:43:05**
